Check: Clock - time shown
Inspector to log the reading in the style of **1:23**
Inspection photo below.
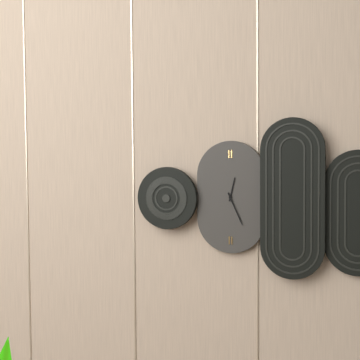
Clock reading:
**12:26**
